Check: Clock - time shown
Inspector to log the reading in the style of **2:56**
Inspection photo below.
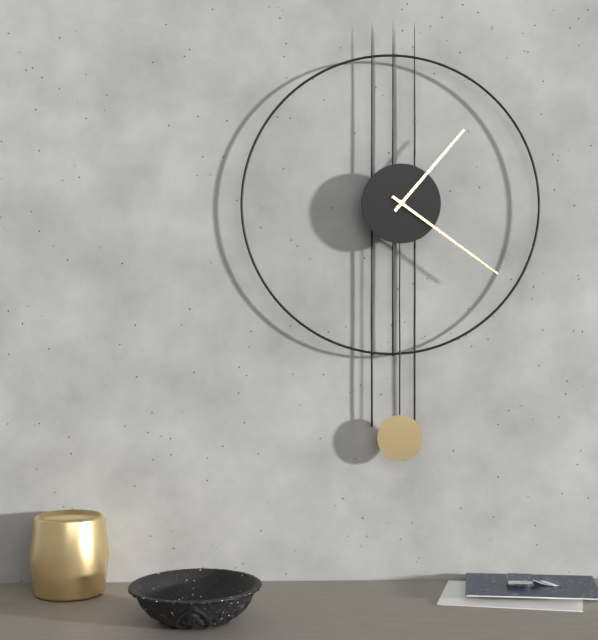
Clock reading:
**1:21**
